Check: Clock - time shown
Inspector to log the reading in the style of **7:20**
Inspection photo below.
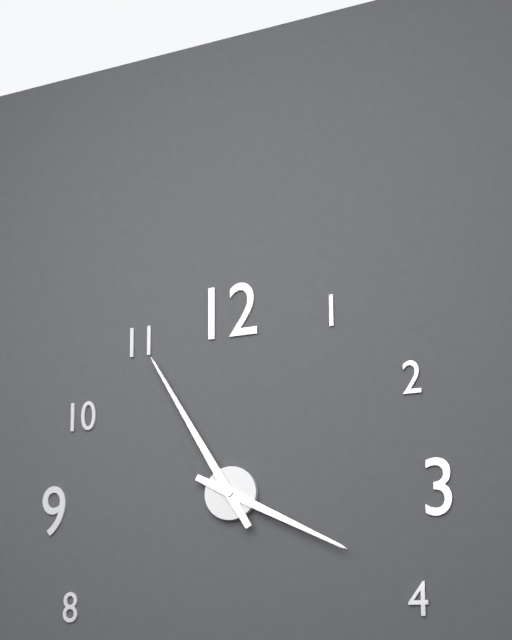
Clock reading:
**3:55**
